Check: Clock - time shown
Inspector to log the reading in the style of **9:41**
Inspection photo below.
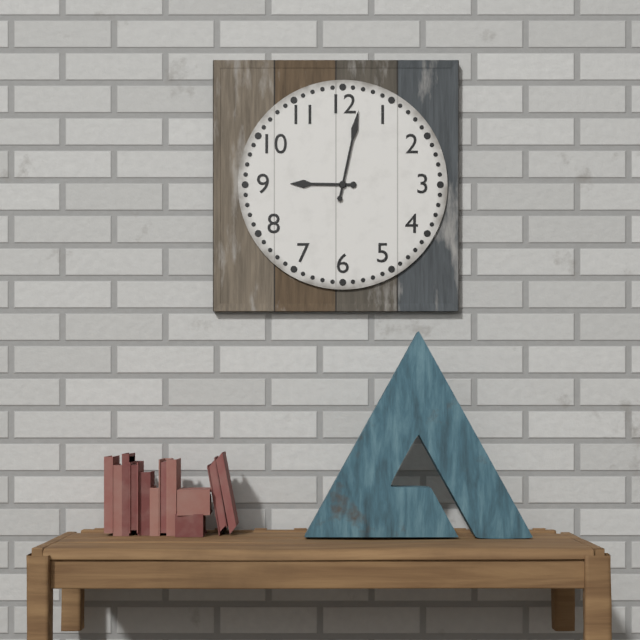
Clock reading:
**9:02**
